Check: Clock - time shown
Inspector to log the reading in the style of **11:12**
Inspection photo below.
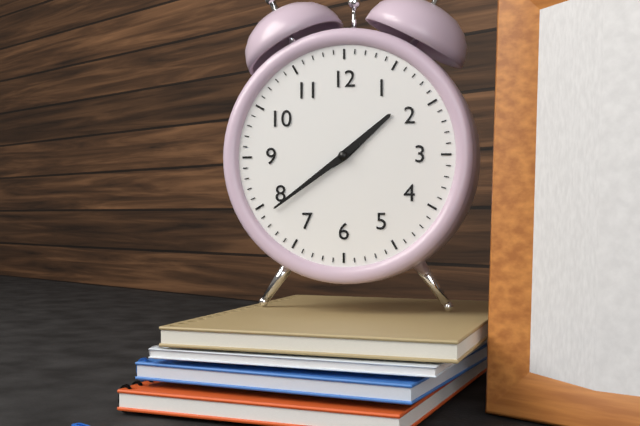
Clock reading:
**1:39**
